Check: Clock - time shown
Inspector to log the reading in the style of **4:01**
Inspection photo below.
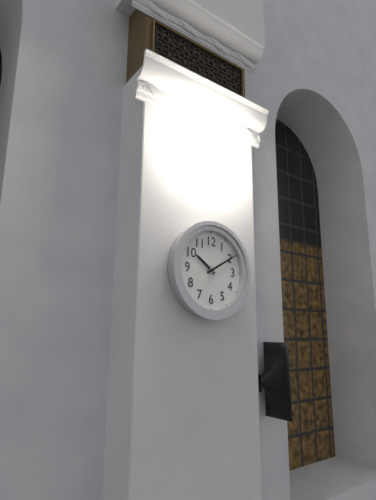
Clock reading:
**10:10**
